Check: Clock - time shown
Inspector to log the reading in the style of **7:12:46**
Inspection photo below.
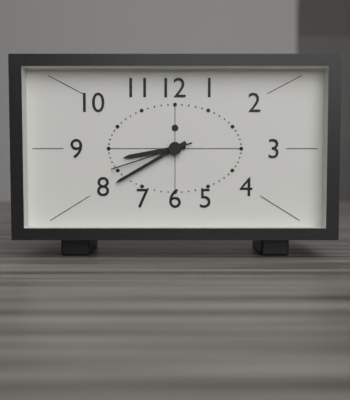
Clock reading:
**8:40:42**
